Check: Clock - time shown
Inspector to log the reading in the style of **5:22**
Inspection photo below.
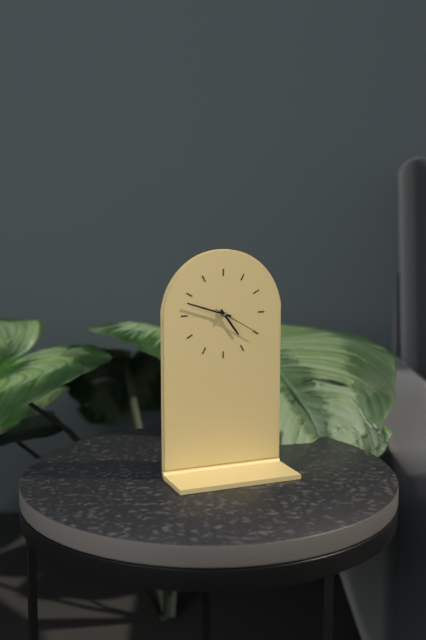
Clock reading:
**4:48**
